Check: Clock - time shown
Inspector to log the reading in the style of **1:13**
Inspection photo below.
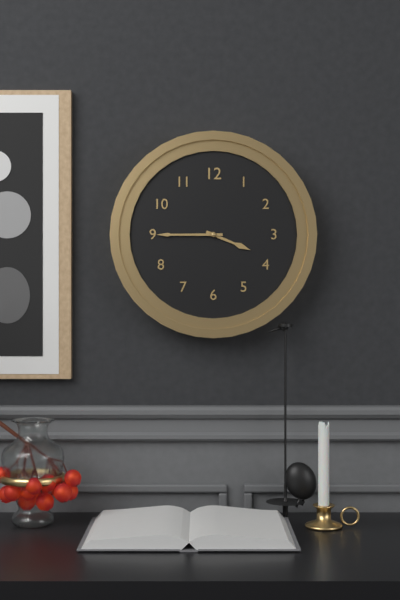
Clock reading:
**3:45**
